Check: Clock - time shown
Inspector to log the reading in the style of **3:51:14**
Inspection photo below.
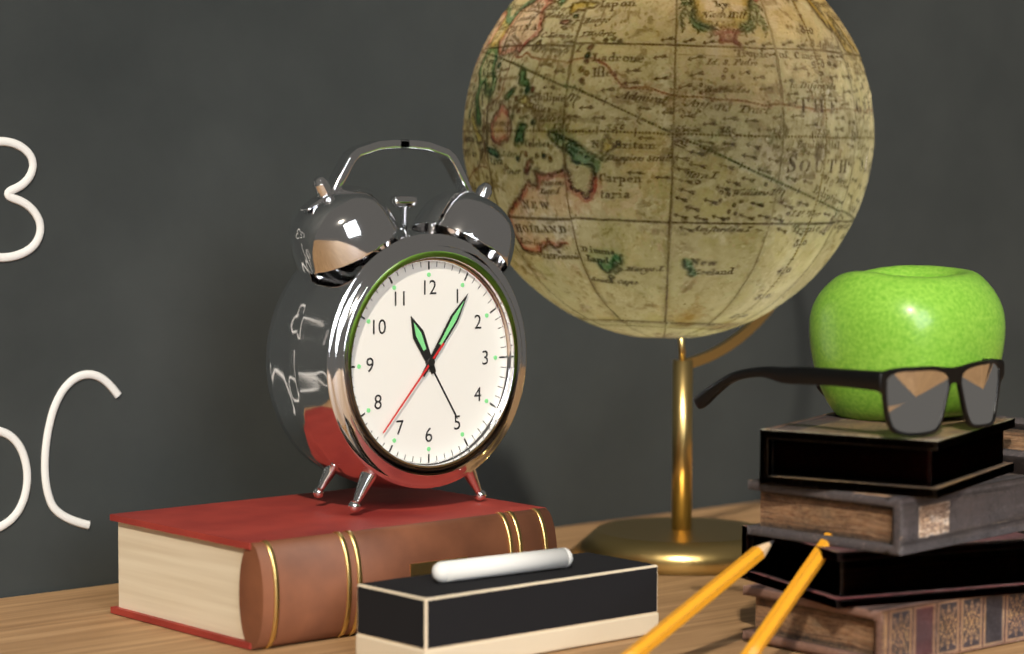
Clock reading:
**11:06:37**
